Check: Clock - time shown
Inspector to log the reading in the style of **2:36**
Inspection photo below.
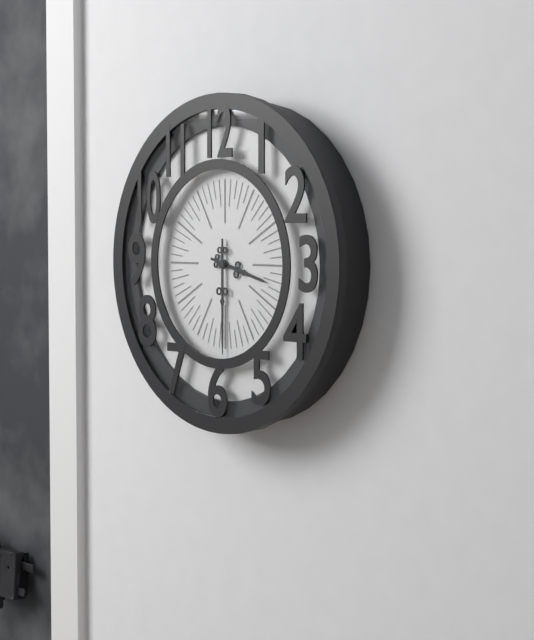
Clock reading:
**3:30**
